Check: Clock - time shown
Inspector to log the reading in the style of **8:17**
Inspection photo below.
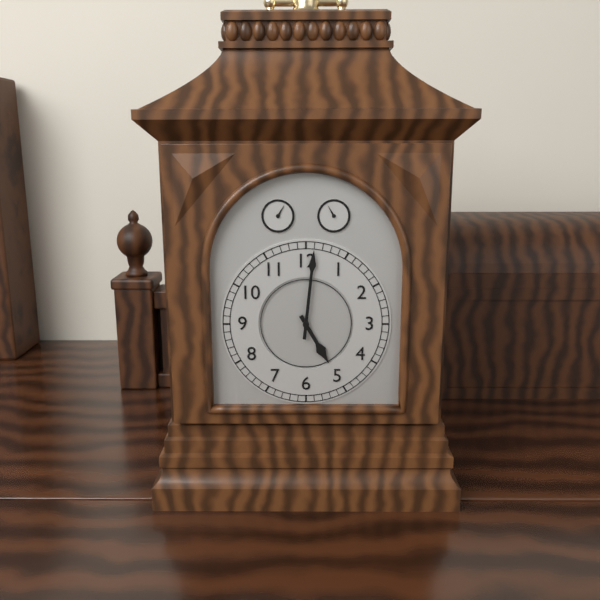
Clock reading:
**5:01**
